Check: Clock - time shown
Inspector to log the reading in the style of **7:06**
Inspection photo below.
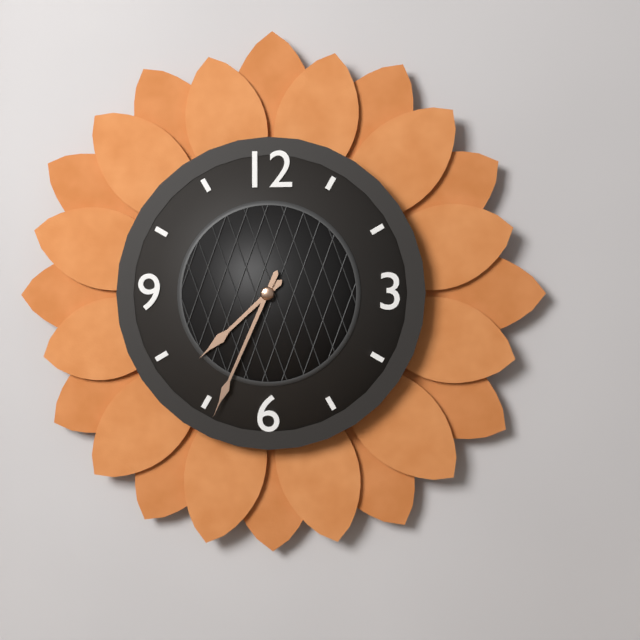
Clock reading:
**7:34**
